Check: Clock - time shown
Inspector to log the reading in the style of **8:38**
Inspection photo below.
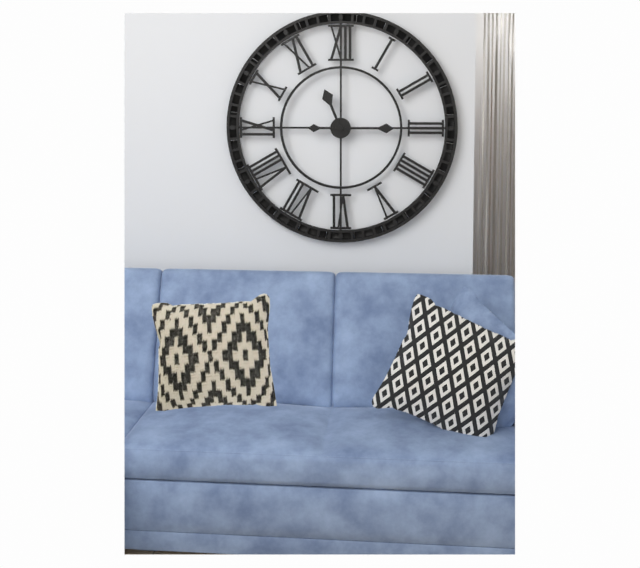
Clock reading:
**11:15**
